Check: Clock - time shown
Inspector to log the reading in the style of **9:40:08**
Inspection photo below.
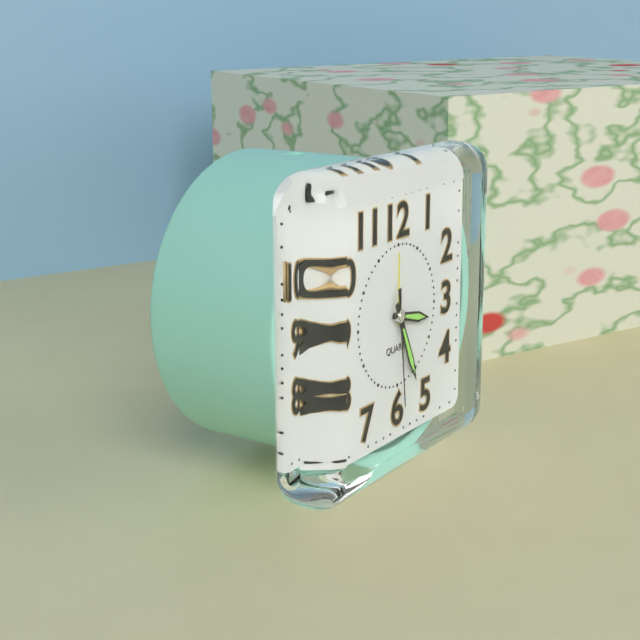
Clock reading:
**3:26:29**
